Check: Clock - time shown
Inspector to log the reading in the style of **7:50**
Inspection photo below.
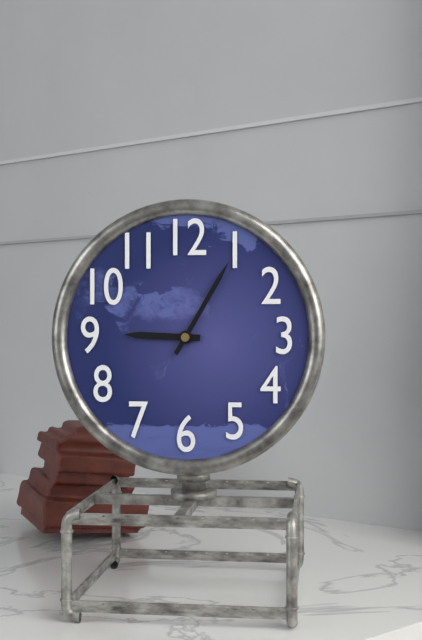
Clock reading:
**9:05**
